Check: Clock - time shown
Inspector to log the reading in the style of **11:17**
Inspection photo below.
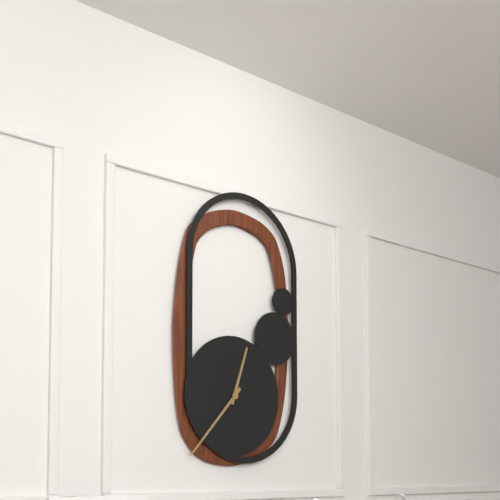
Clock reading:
**12:37**
